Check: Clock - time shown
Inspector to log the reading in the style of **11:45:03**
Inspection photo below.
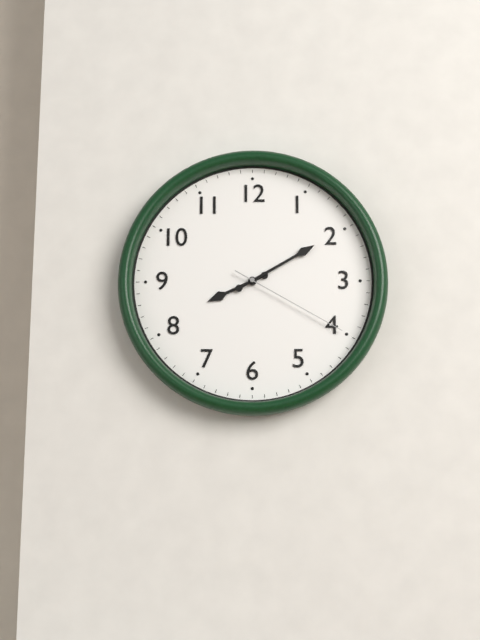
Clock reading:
**8:10:20**
